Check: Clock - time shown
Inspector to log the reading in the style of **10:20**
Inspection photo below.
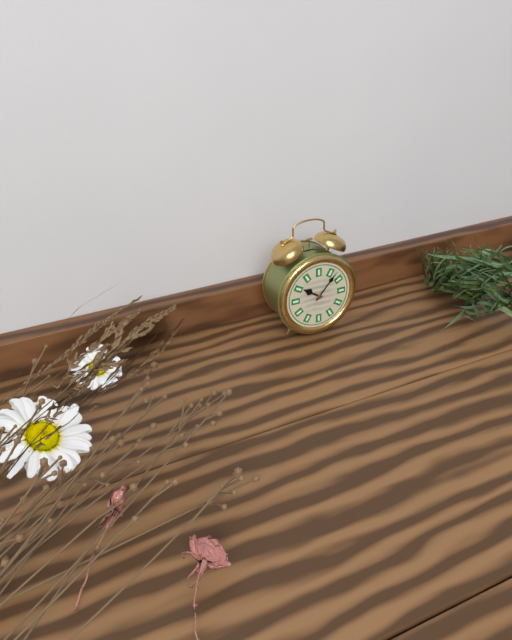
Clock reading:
**10:07**
